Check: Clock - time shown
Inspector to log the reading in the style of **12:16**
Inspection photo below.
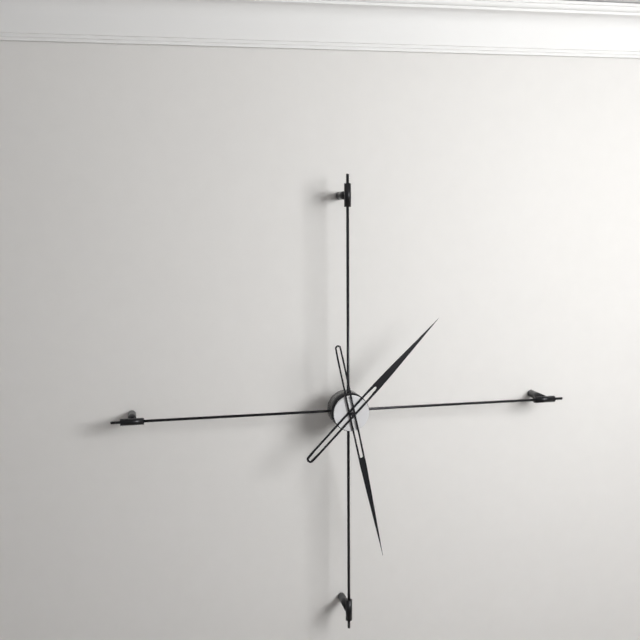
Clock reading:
**1:28**
